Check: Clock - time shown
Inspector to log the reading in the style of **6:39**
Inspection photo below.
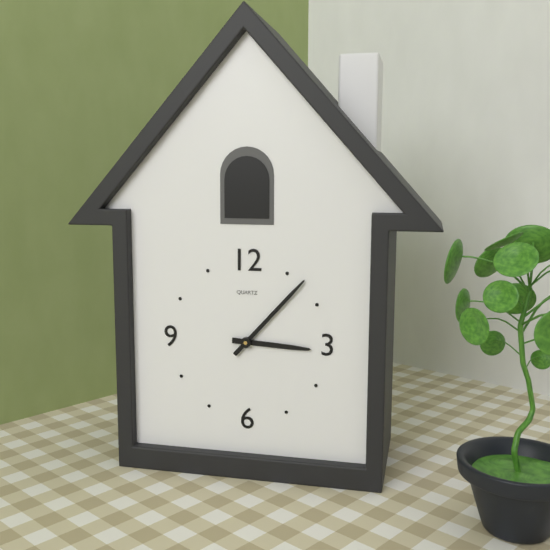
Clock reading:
**3:07**
